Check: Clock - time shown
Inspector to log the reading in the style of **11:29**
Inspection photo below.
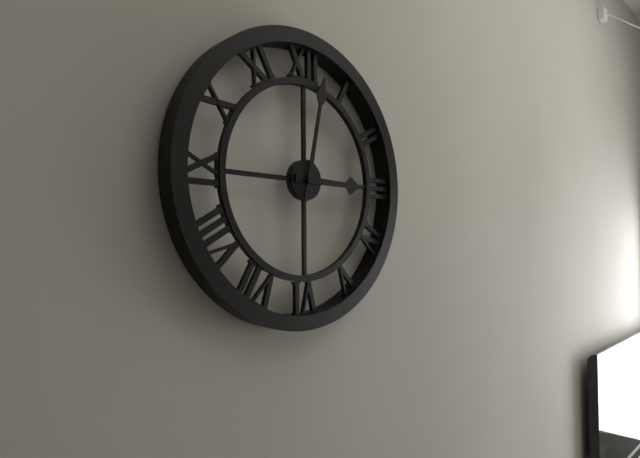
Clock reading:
**3:02**
